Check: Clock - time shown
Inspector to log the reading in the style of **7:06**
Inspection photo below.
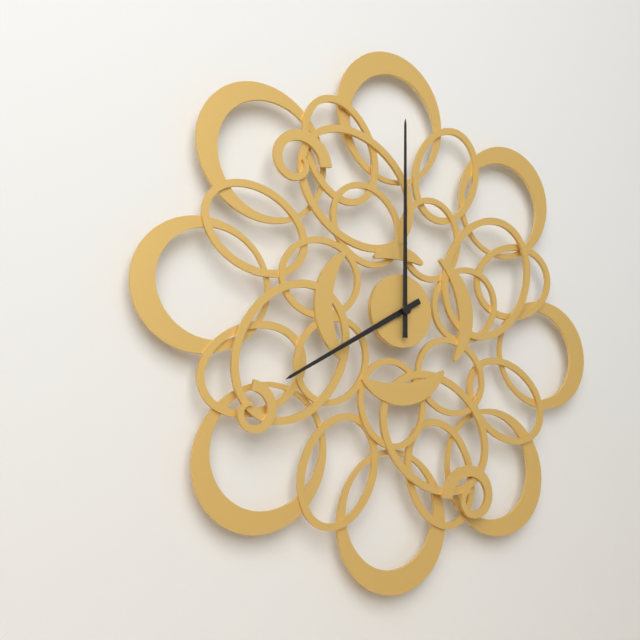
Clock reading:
**8:00**
